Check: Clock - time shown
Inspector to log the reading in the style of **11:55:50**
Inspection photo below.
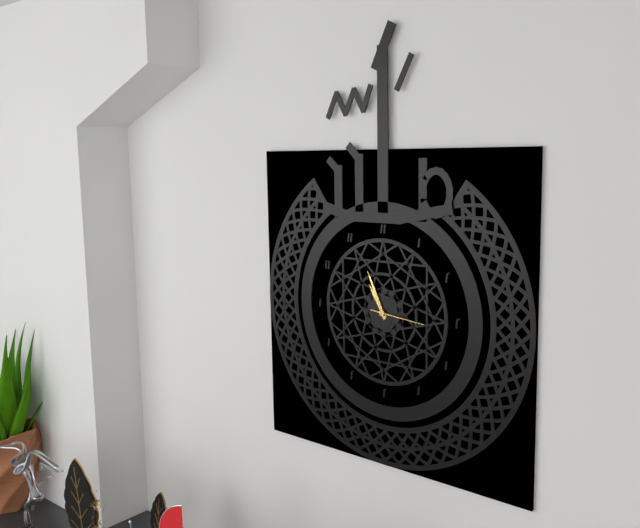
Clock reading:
**10:56:16**
